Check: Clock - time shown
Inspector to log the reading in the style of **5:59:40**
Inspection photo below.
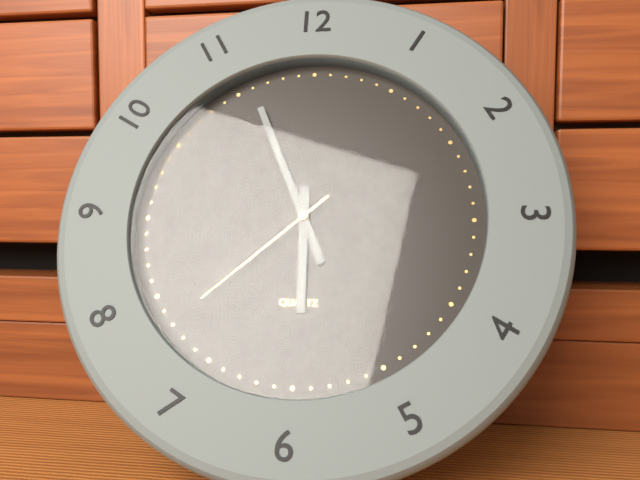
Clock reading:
**5:56:38**
